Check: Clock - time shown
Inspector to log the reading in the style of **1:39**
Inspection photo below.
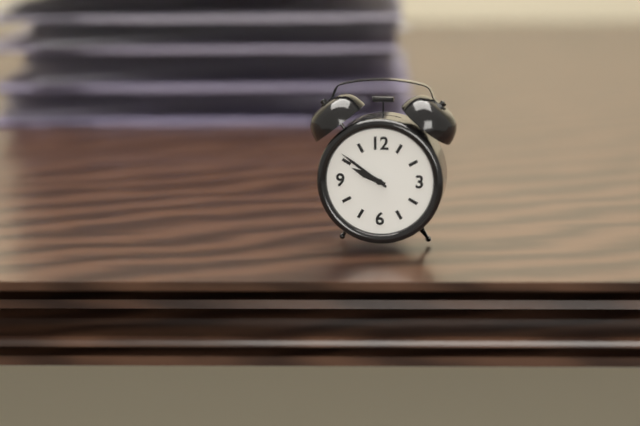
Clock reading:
**9:51**
